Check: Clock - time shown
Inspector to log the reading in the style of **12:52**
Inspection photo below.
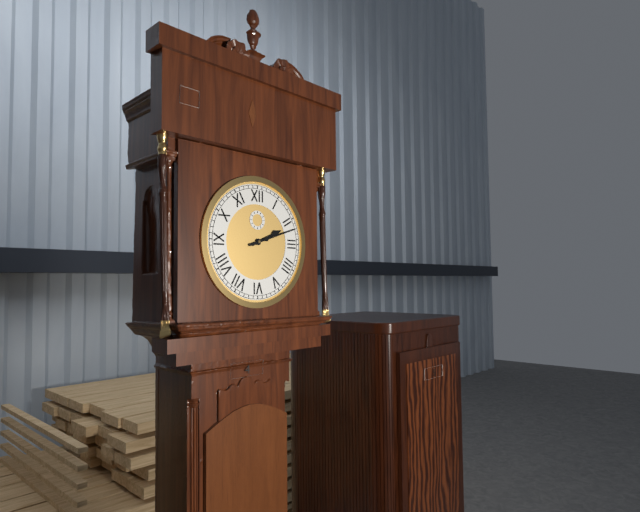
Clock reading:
**2:12**
